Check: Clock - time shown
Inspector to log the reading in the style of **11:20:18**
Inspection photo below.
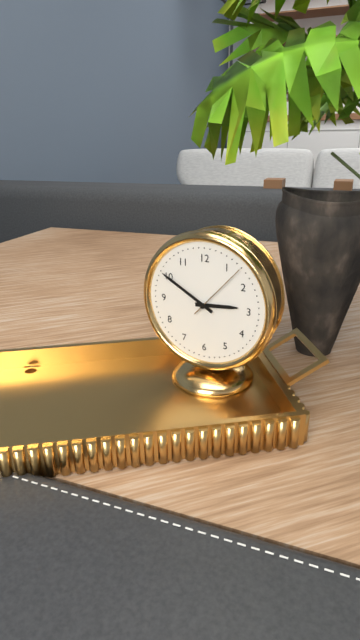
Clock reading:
**2:50:07**
